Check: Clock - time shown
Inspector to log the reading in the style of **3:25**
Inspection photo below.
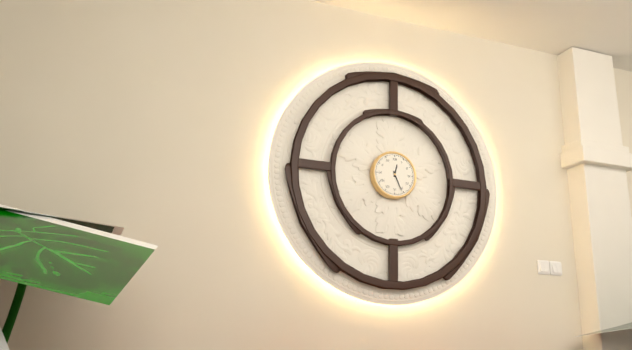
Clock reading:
**12:26**
